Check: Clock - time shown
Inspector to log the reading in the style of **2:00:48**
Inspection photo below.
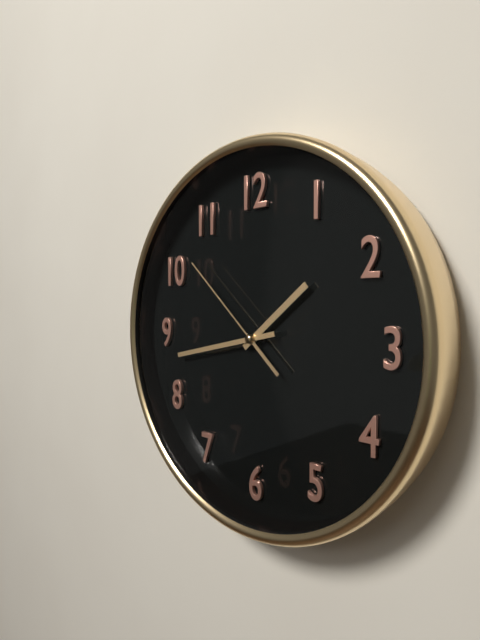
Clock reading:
**1:43:52**
